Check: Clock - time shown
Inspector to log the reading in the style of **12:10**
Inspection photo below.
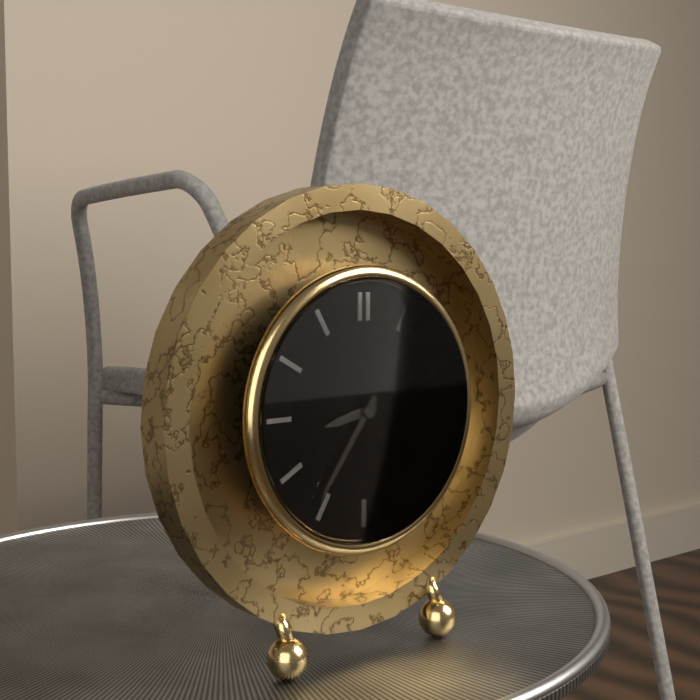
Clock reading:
**8:36**
